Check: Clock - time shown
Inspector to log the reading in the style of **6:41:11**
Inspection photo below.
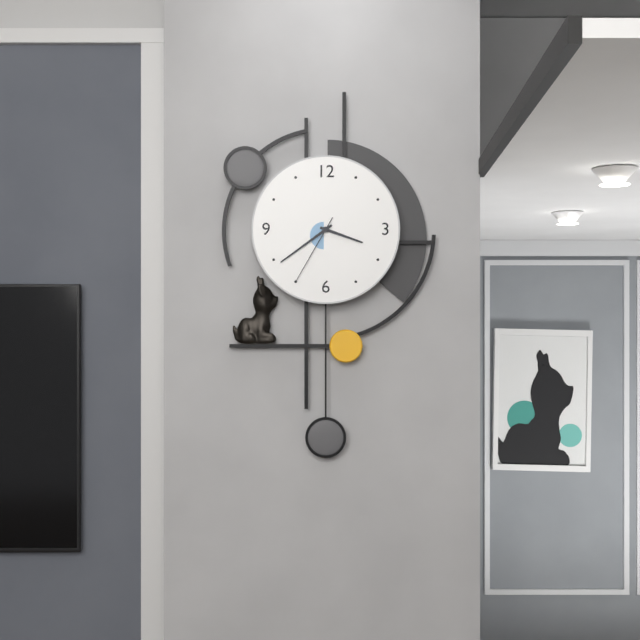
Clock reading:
**3:39:35**
